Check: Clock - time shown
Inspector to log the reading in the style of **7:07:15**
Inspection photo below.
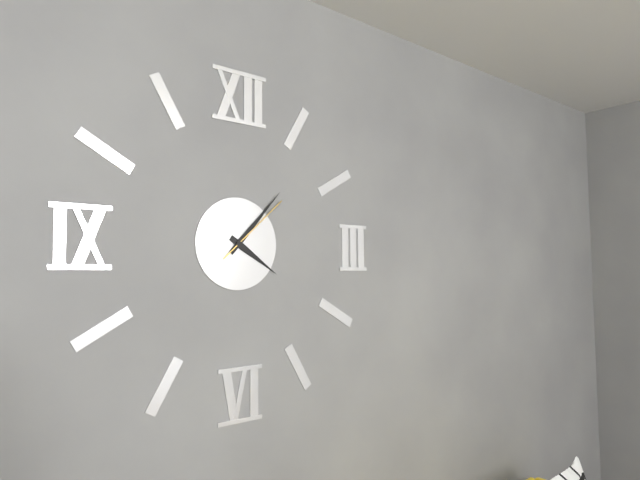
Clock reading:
**4:07:08**
